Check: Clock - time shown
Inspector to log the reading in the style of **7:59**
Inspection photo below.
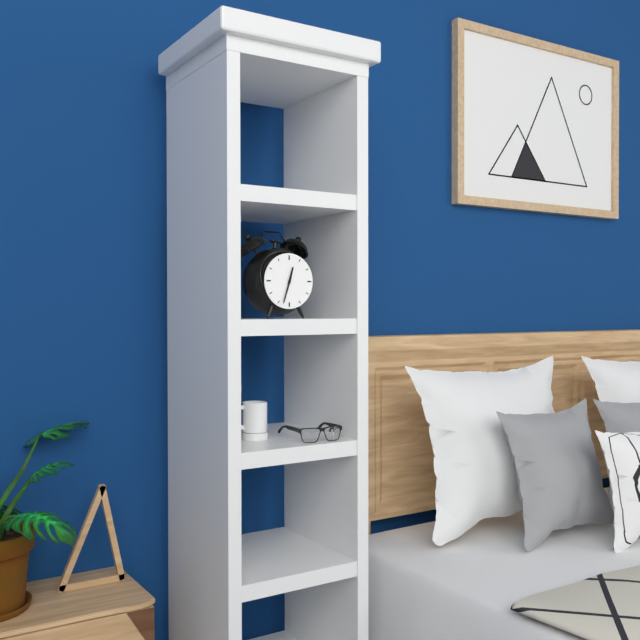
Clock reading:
**12:33**
